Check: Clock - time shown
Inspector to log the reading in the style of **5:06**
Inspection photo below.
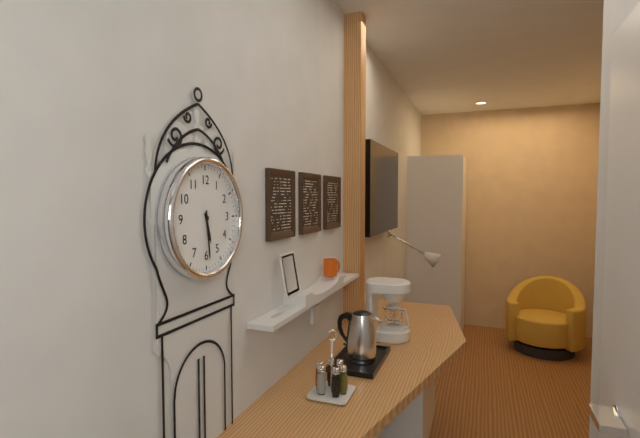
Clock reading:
**5:29**
